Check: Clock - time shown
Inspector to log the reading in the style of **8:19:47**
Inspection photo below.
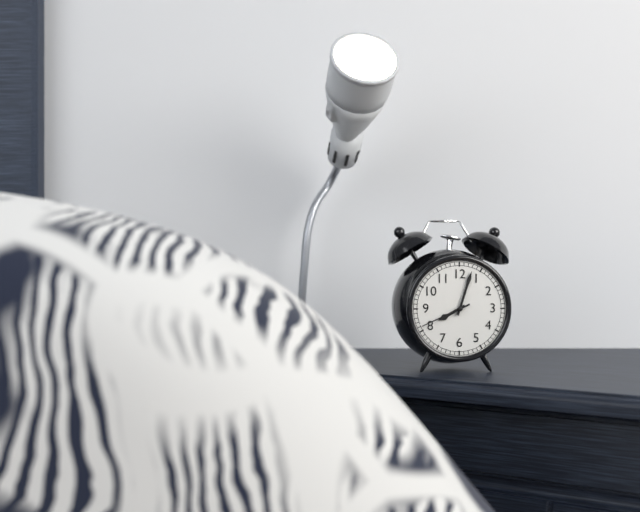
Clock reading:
**8:03:41**
